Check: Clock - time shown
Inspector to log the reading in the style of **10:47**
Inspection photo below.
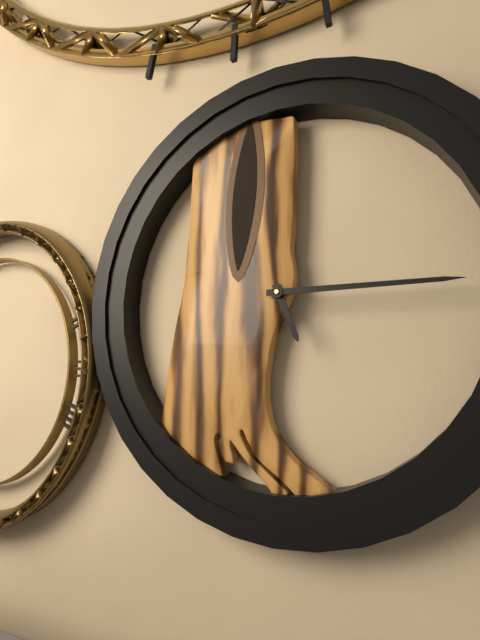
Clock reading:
**5:15**
